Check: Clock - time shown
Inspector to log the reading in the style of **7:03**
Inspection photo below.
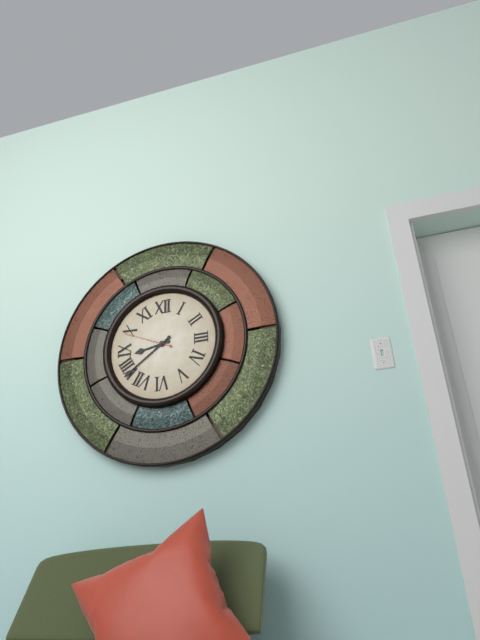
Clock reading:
**8:39**
